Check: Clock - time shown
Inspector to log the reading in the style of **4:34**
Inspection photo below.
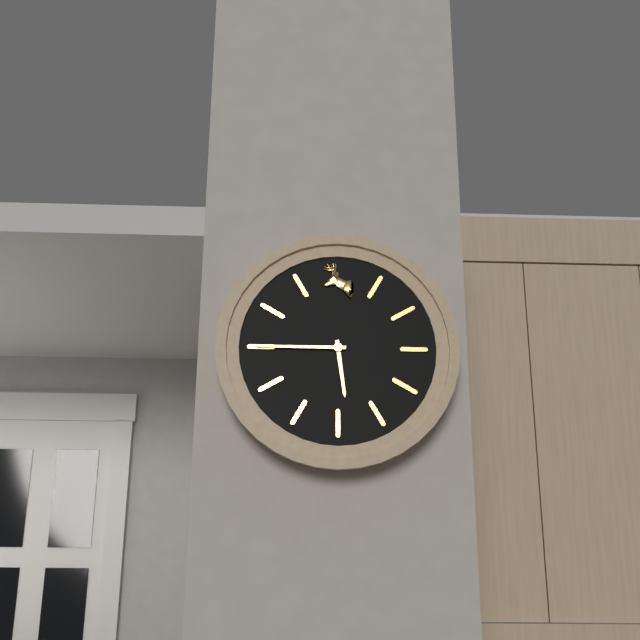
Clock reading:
**5:45**
